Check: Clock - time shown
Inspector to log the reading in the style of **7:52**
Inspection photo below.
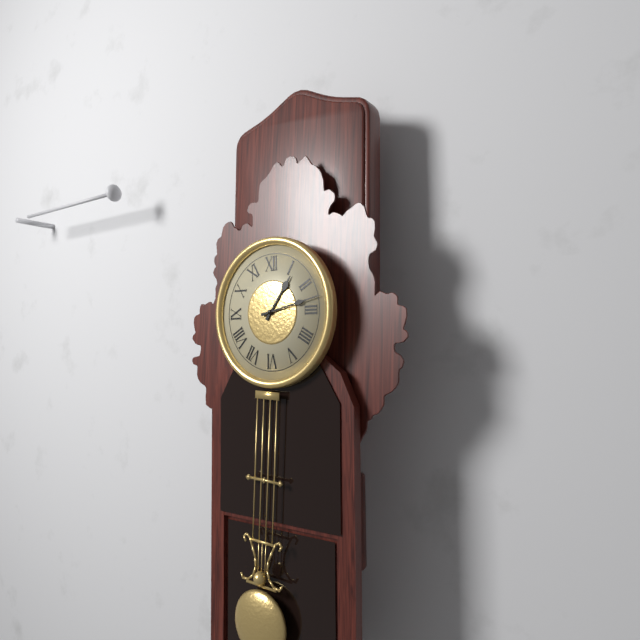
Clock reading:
**1:13**
